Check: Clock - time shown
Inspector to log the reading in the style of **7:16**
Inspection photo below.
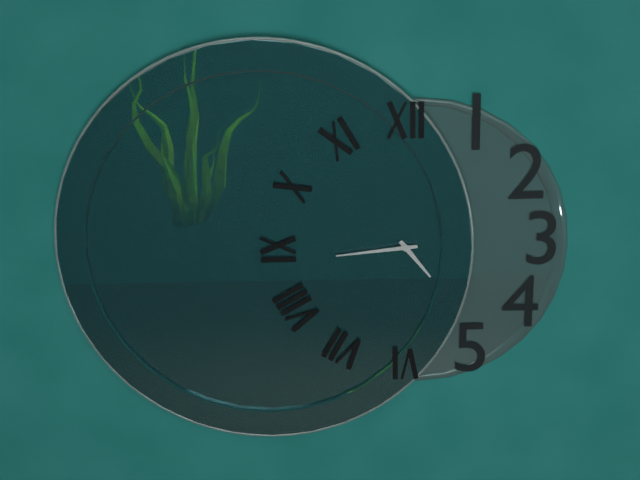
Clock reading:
**4:44**
